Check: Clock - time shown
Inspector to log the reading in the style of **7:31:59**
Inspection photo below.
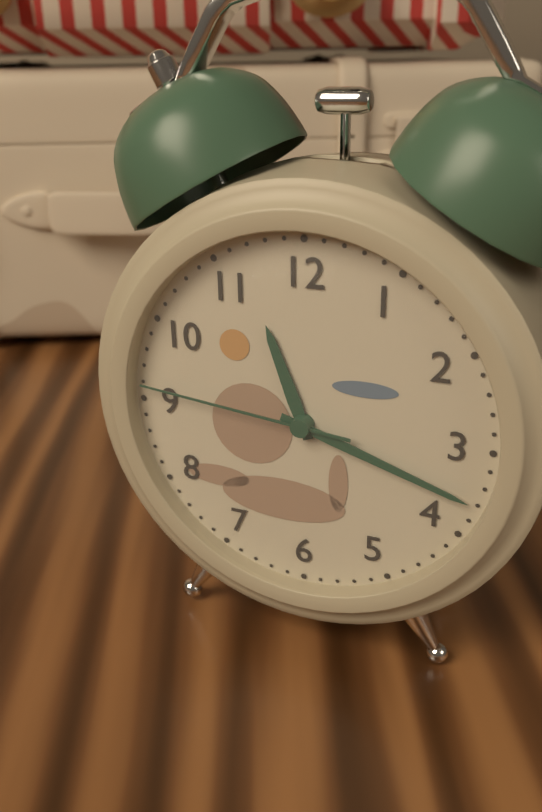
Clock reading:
**11:18:46**
